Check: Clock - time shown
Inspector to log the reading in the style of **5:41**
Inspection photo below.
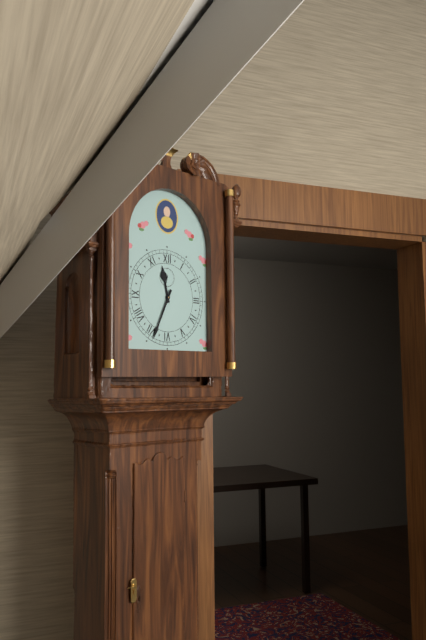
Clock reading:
**11:34**
